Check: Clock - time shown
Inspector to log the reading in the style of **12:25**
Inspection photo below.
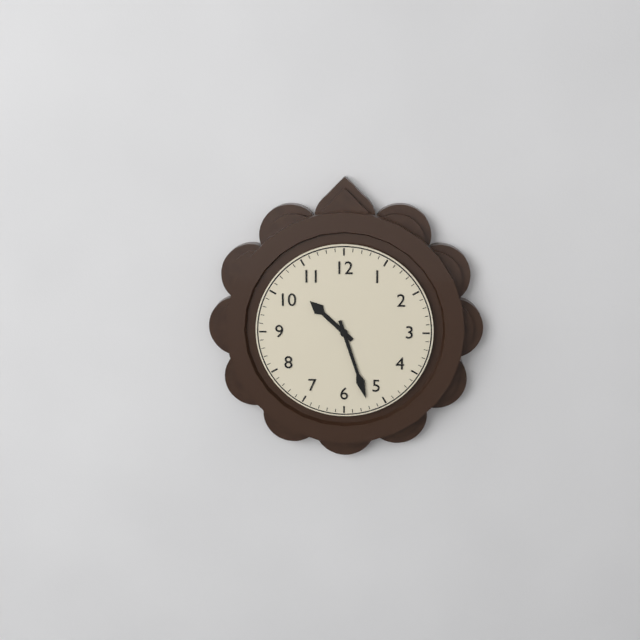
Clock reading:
**10:27**
